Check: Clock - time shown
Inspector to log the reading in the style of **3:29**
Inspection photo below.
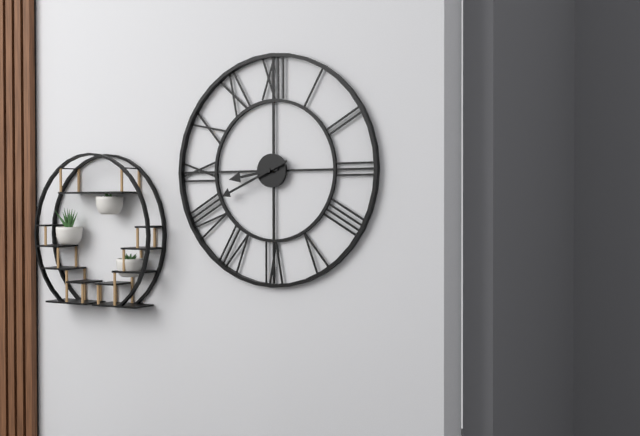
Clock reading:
**8:41**
